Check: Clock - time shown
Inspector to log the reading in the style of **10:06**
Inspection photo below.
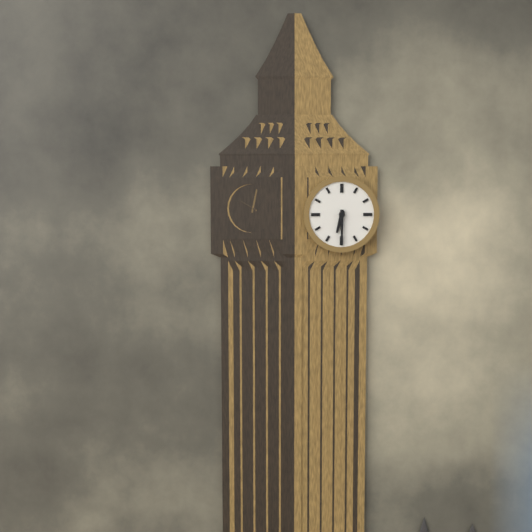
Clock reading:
**6:30**
